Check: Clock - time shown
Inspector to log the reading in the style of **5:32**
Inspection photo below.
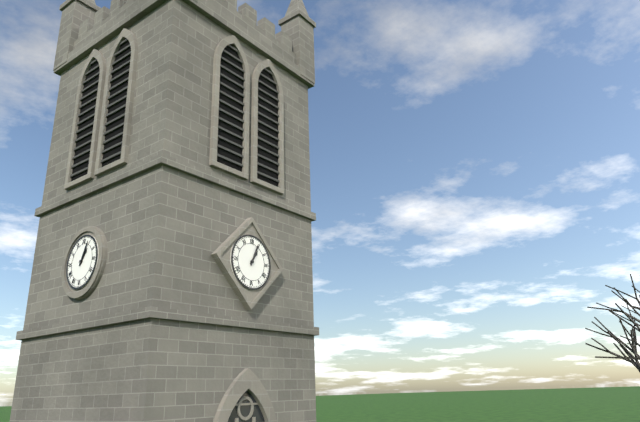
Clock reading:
**1:04**
